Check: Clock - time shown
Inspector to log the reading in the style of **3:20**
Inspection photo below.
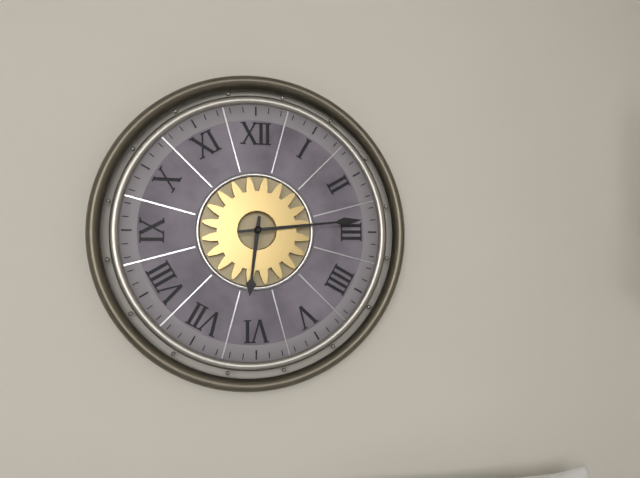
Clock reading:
**6:14**
